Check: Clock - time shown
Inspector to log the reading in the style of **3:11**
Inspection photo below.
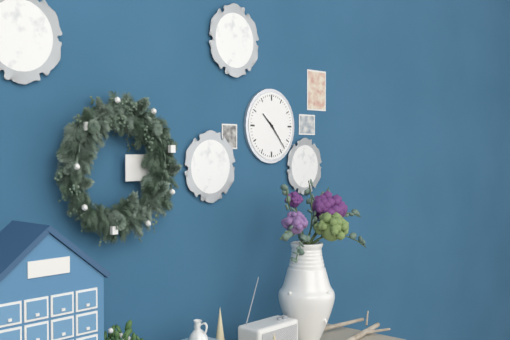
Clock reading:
**10:23**
